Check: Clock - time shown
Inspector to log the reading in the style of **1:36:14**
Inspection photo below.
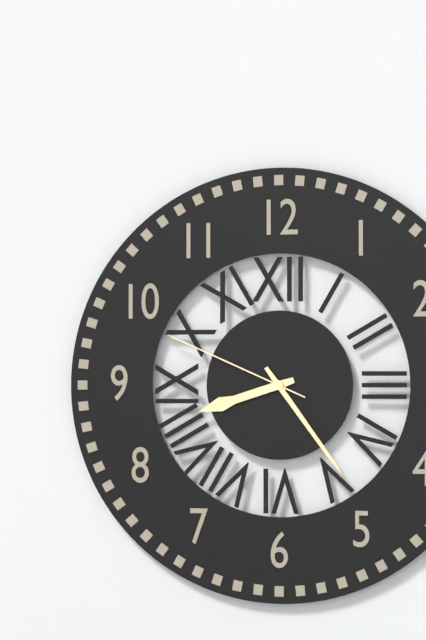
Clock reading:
**8:24:49**
